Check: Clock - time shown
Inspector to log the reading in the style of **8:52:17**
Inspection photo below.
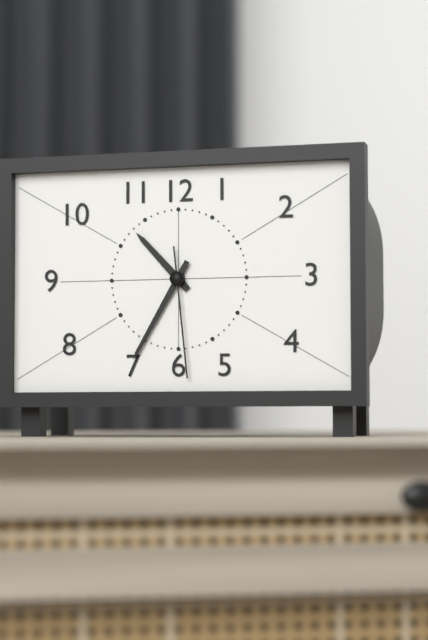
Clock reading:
**10:35:29**
